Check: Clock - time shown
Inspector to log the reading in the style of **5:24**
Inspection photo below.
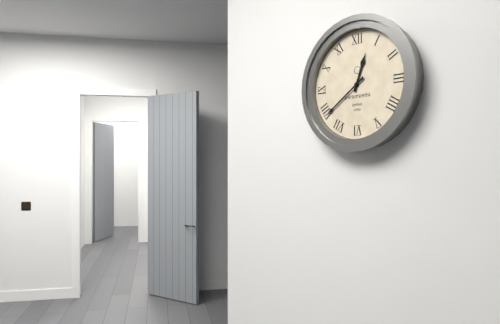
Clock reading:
**12:39**
